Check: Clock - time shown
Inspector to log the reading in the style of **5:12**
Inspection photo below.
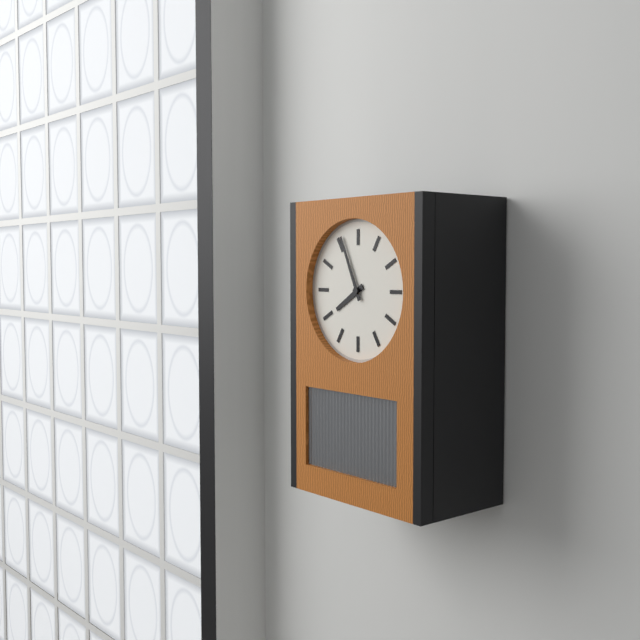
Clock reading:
**7:56**
